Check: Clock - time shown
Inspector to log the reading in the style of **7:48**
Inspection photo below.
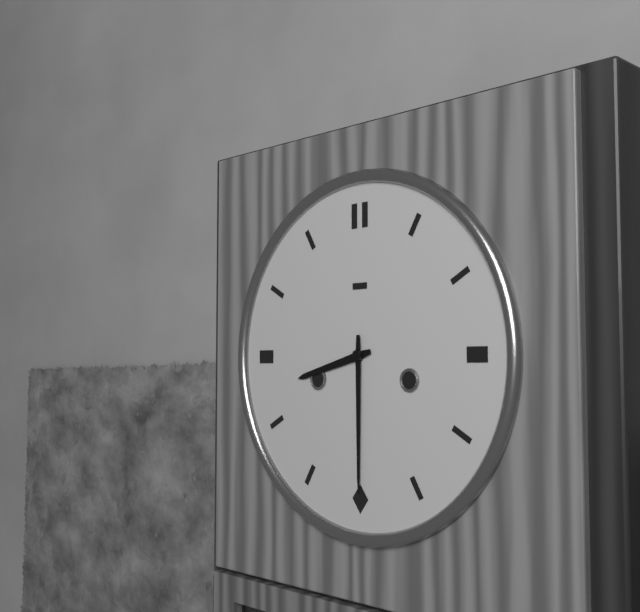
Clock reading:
**8:30**
